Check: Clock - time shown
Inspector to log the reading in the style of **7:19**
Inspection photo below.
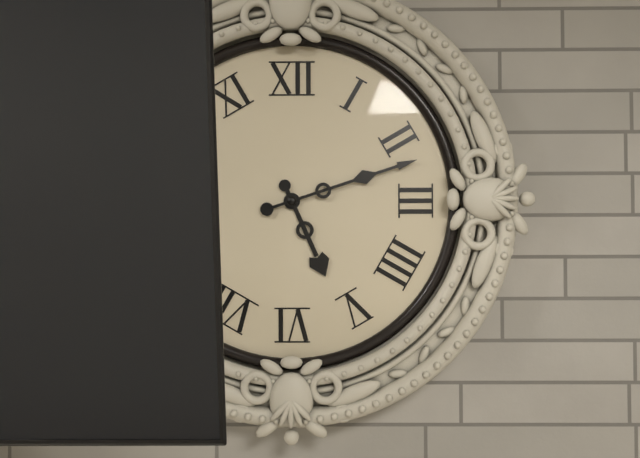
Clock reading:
**5:12**
